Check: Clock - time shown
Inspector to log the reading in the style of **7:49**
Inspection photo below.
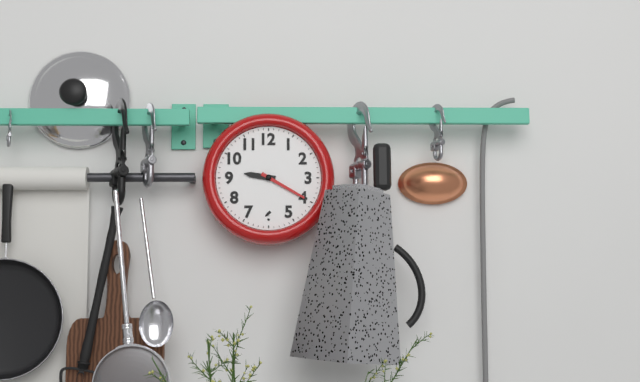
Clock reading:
**9:20**
